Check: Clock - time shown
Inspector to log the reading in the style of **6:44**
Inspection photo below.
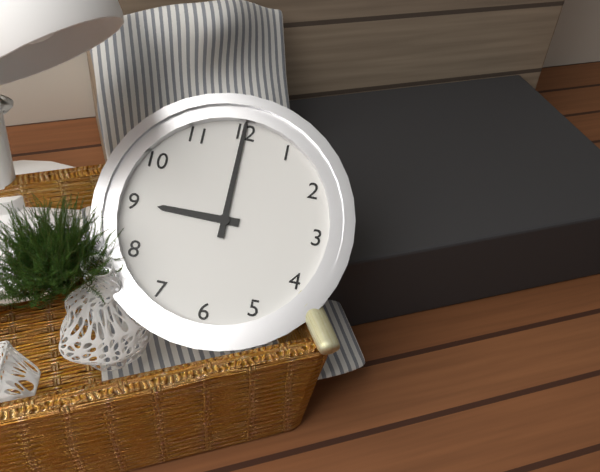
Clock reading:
**9:00**
